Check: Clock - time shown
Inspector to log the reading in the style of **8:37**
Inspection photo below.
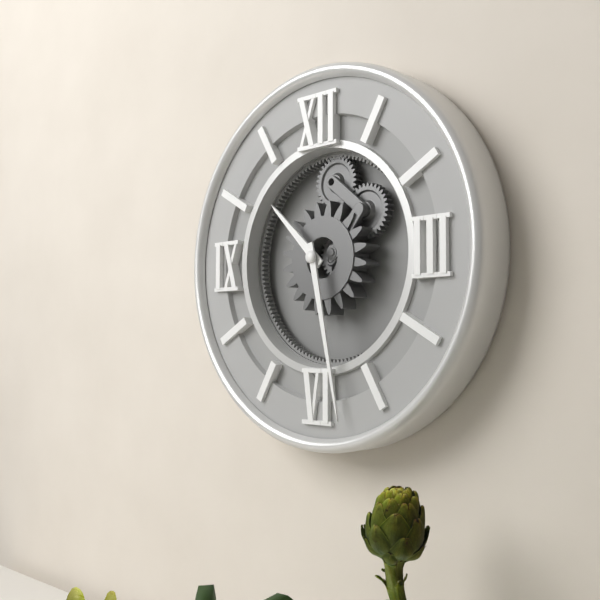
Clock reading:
**10:28**
